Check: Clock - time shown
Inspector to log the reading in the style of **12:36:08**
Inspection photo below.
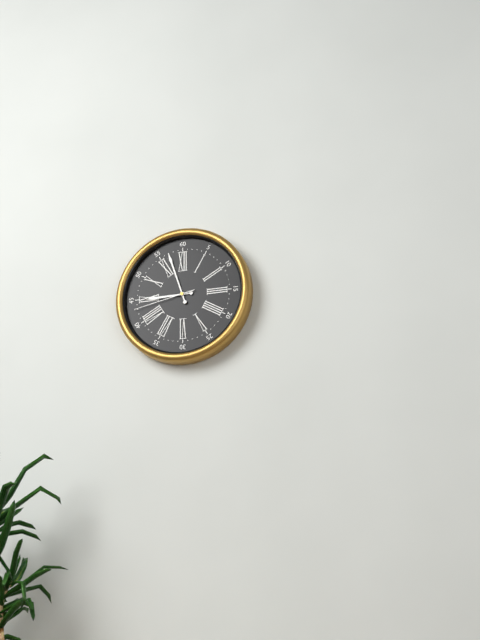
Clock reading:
**8:57:43**
